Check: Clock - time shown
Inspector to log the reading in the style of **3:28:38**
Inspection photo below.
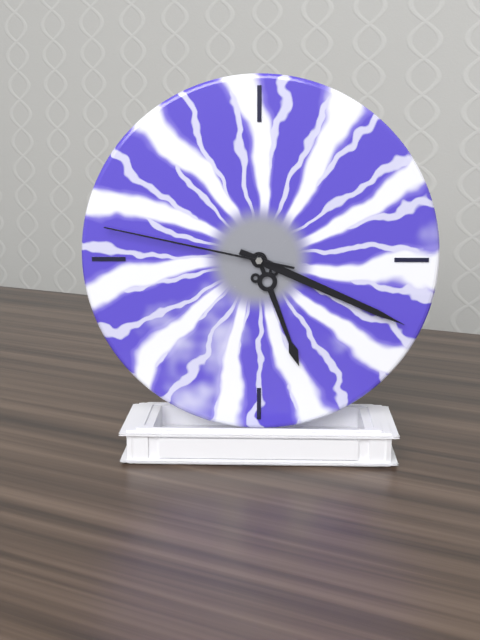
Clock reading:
**5:19:47**
